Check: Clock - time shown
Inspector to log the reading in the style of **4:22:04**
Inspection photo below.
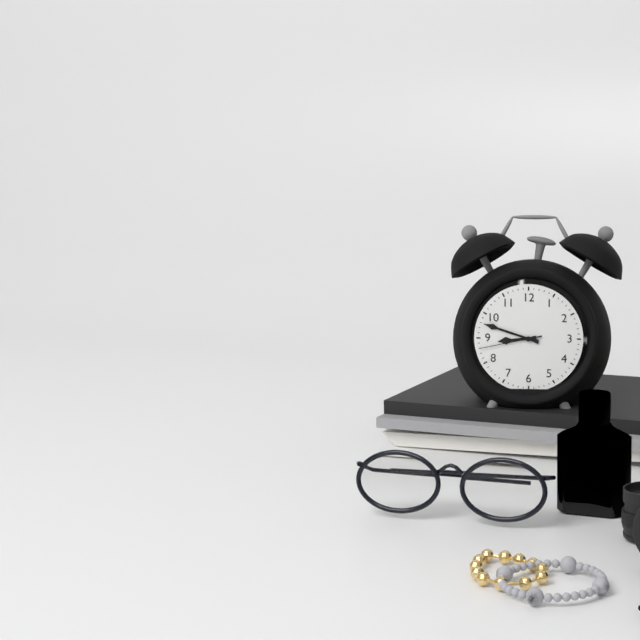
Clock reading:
**8:48:43**
